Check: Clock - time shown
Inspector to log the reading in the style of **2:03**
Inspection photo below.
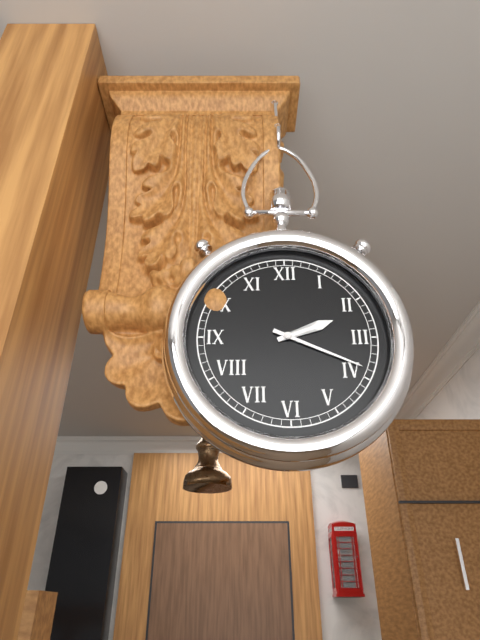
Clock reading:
**2:19**
